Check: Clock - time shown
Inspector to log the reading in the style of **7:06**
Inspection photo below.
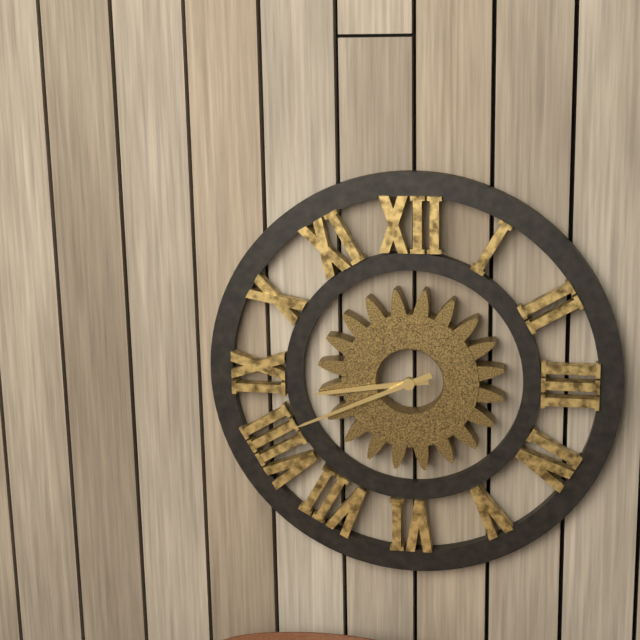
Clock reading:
**8:41**
